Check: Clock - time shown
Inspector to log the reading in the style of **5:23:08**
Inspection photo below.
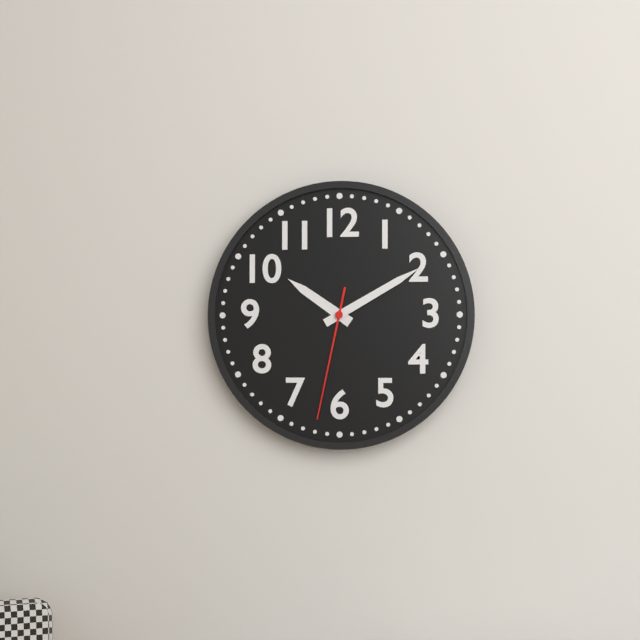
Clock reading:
**10:10:32**
